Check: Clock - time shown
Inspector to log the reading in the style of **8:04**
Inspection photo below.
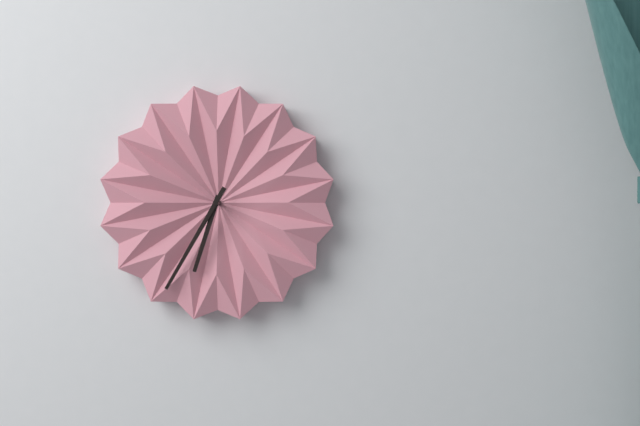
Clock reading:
**6:35**
